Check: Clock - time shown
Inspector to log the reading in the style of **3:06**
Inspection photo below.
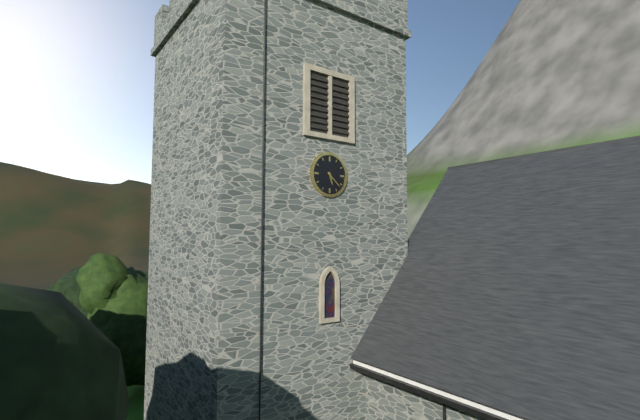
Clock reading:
**5:22**
